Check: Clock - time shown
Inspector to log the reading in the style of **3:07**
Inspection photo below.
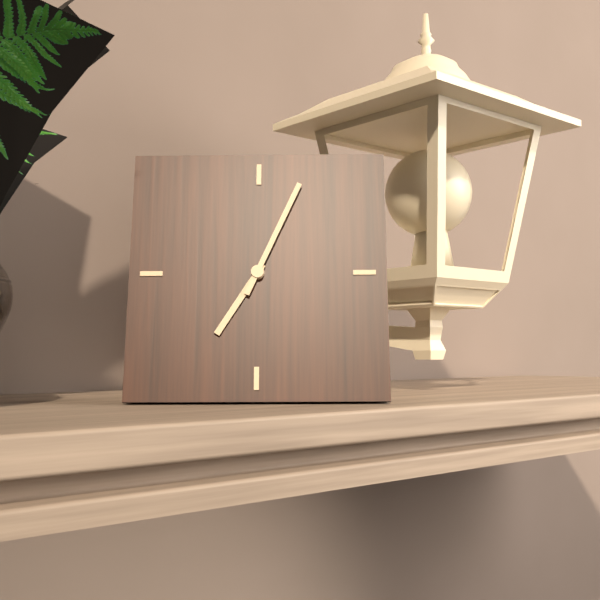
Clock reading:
**7:04**
